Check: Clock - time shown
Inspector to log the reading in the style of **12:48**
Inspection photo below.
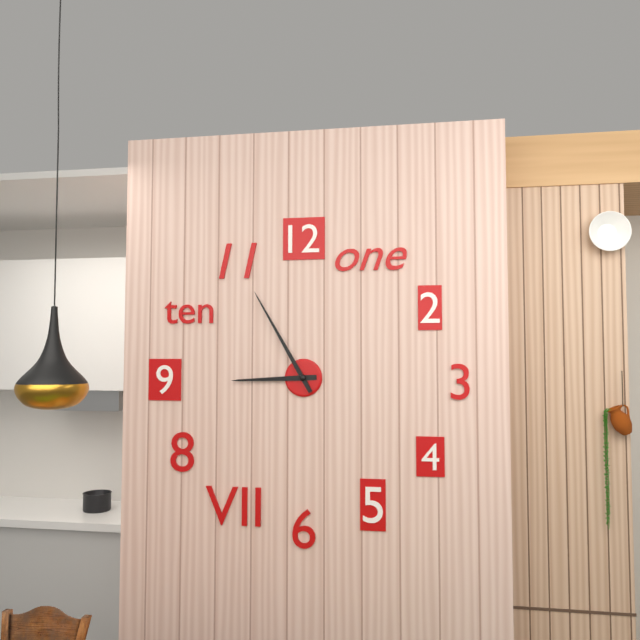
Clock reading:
**8:55**
